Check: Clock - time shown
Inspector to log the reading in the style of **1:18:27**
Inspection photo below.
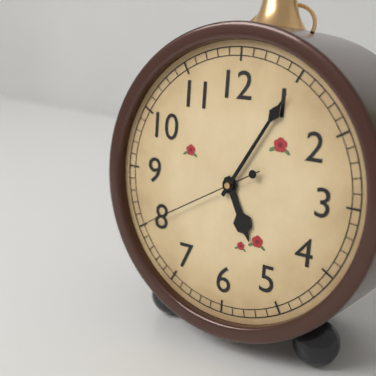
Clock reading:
**5:05:40**
